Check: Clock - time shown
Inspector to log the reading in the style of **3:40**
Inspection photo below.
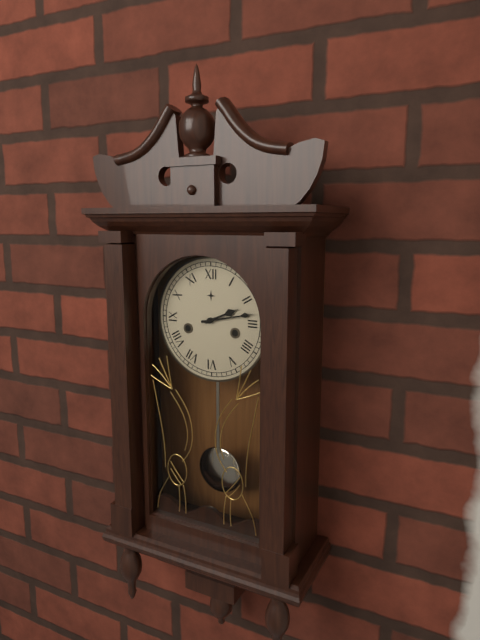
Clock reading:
**2:13**
